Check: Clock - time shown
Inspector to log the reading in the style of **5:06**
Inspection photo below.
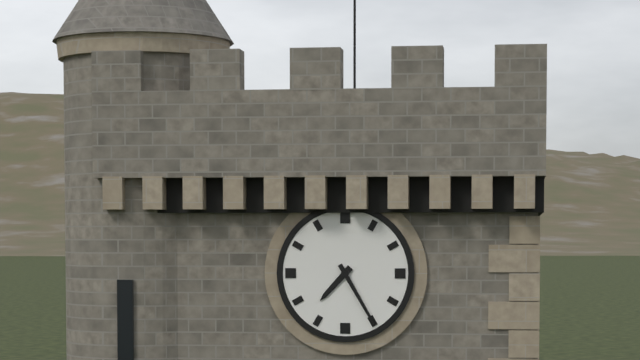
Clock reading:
**7:25**
